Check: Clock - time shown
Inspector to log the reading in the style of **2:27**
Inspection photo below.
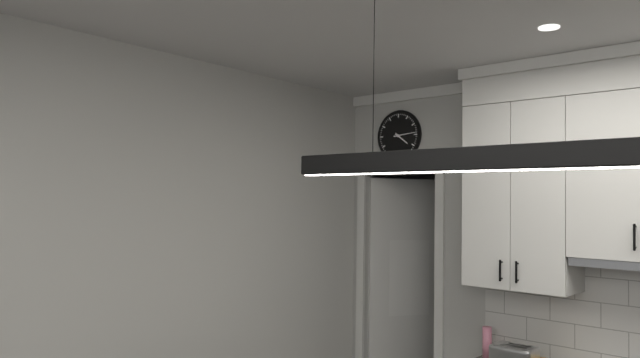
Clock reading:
**4:14**
